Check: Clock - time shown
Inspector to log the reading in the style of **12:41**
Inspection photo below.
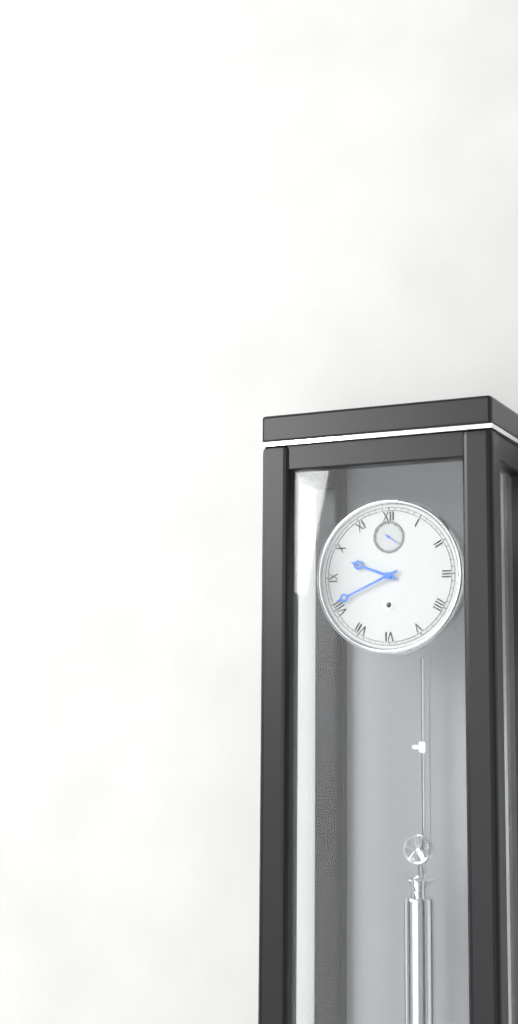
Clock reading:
**9:41**
